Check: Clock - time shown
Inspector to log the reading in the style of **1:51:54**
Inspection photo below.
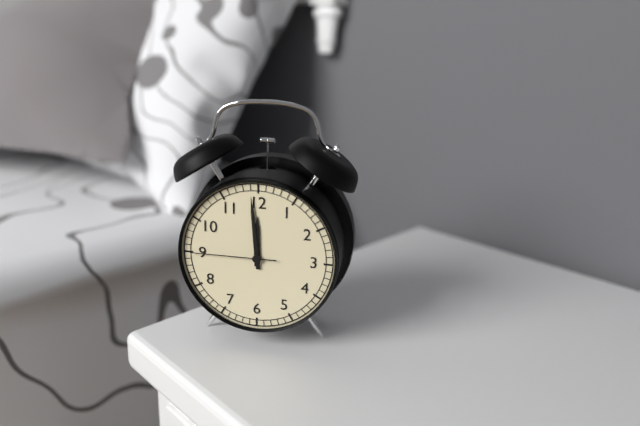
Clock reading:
**11:59:45**
